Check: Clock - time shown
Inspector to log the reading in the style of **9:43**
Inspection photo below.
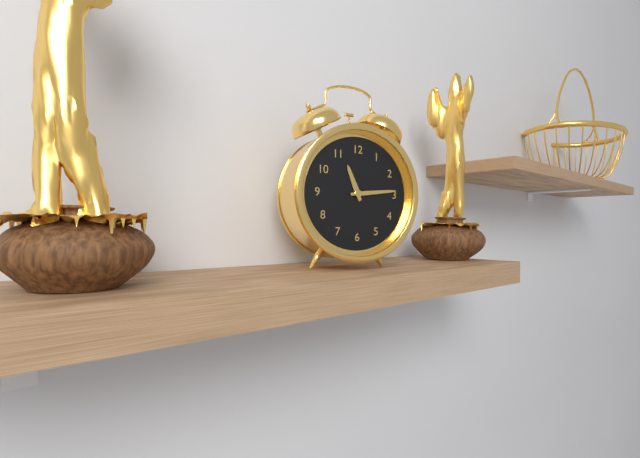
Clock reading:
**11:14**
